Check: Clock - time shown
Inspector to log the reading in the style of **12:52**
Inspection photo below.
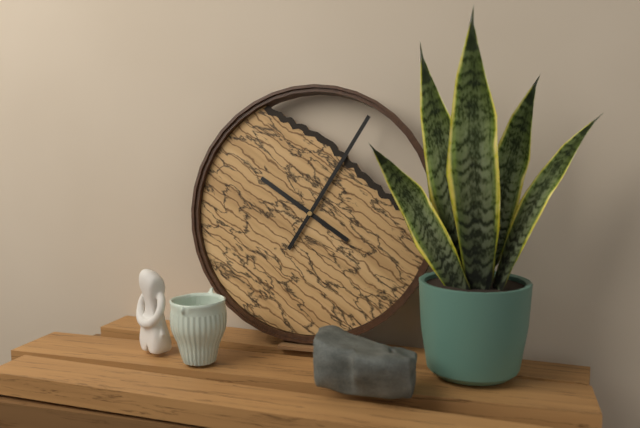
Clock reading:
**10:05**
